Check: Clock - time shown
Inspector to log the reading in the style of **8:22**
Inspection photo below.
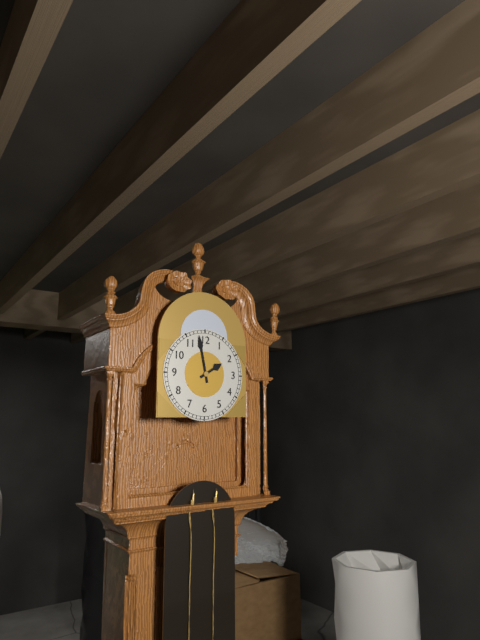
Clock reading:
**1:58**
